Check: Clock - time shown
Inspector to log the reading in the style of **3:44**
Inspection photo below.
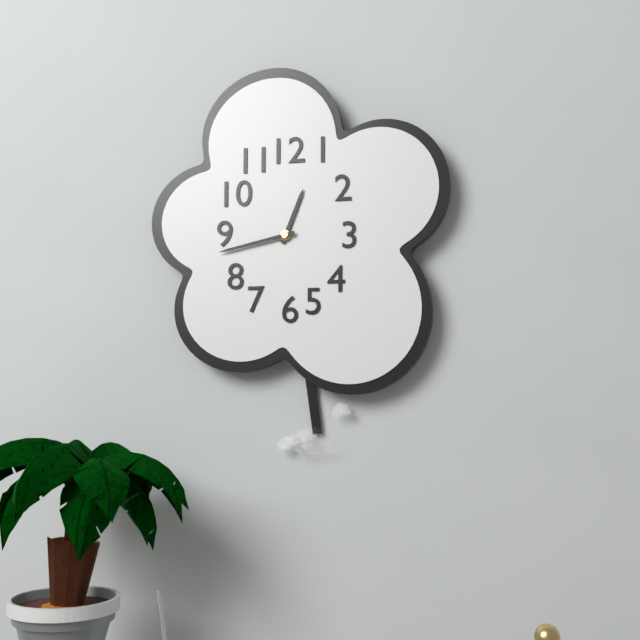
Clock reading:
**12:43**
